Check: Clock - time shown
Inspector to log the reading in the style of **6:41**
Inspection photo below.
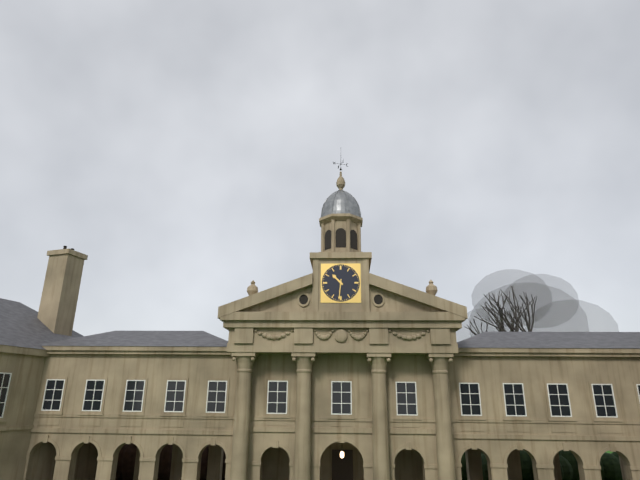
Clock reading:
**10:31**
